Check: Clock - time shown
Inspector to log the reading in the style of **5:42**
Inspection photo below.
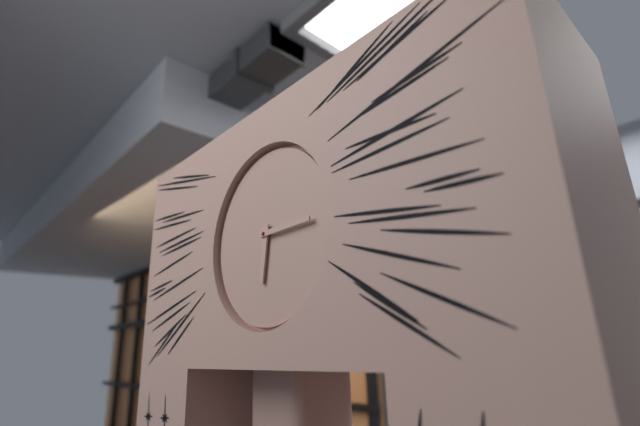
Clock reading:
**6:15**
